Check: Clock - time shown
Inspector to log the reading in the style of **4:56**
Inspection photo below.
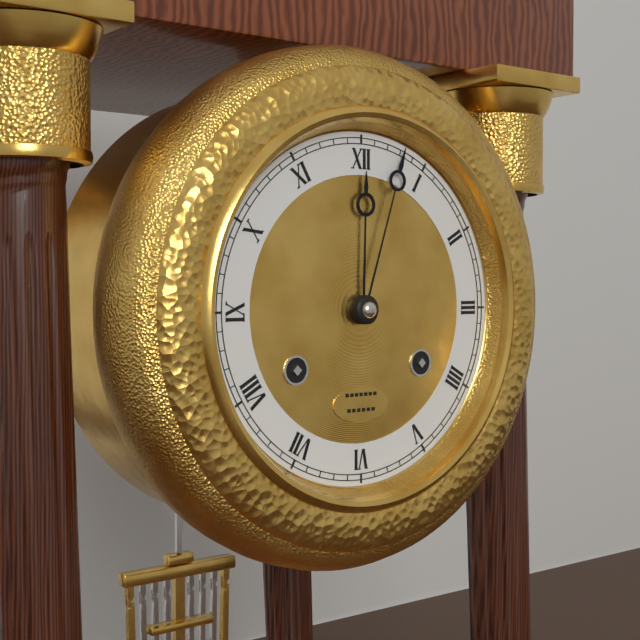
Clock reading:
**12:03**
